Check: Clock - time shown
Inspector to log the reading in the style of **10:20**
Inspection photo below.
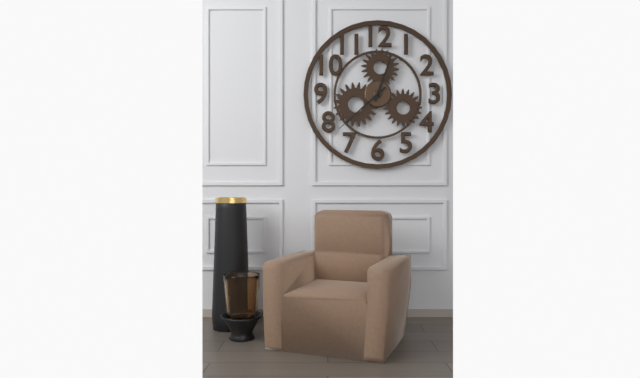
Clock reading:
**12:38**
